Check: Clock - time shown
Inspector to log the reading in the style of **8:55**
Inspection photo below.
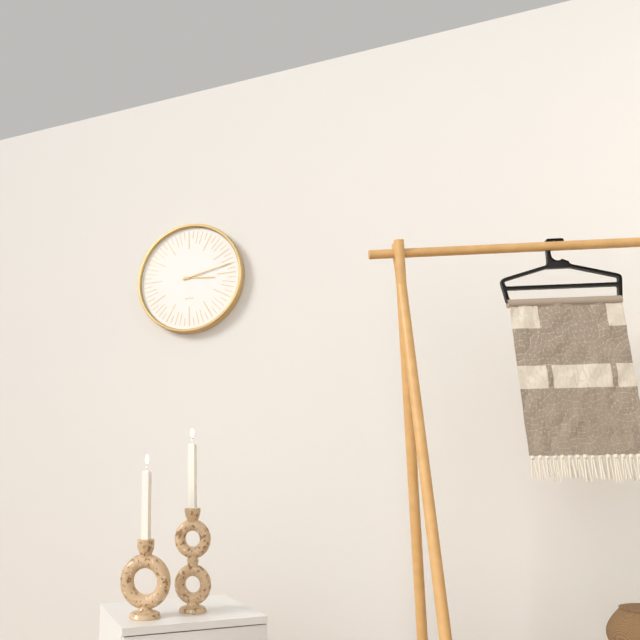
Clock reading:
**3:13**
